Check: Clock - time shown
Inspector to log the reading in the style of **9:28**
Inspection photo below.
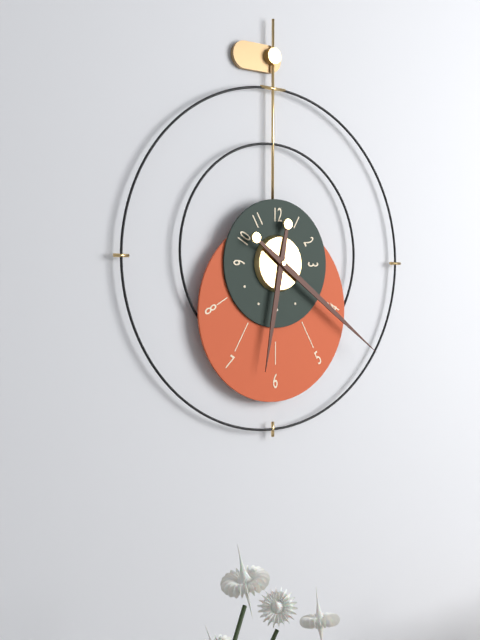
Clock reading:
**6:21**
